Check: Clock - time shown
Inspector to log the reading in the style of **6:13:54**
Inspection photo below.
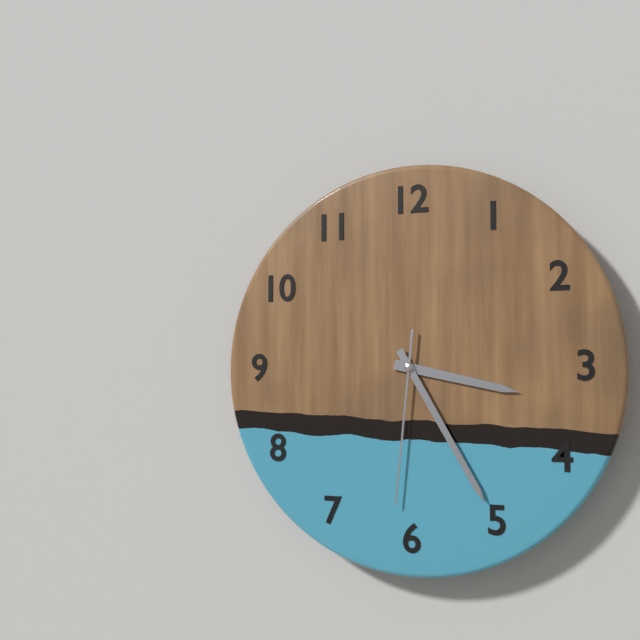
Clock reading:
**3:25:31**
